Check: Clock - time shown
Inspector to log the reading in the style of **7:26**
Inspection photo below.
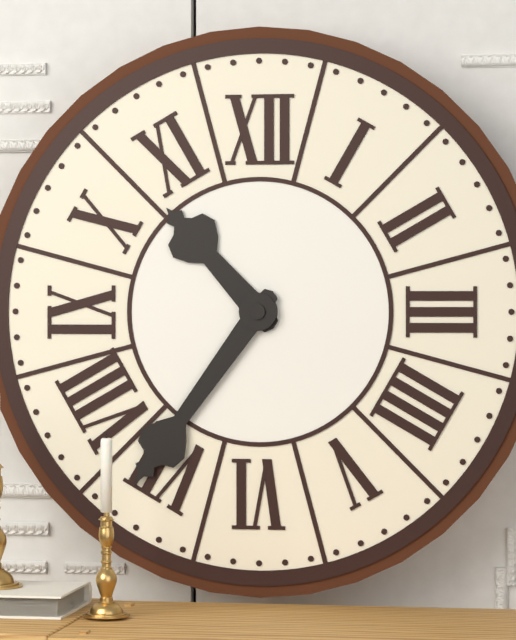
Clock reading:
**10:36**
